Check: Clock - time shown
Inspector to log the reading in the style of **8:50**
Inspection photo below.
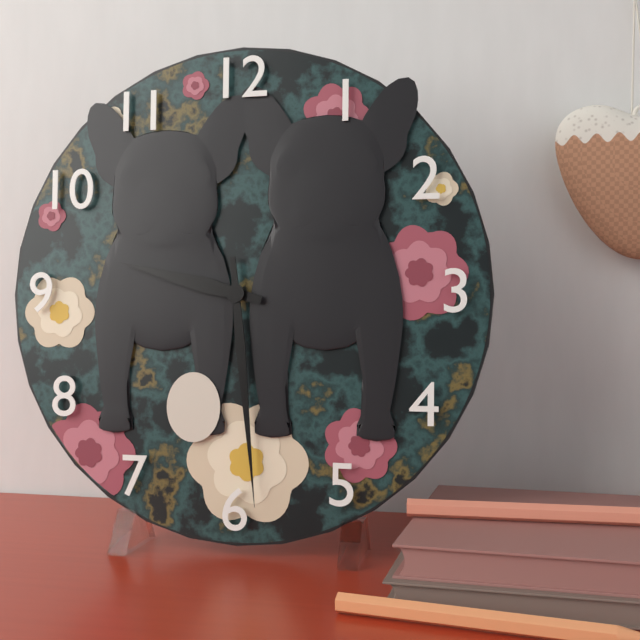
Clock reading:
**9:29**
